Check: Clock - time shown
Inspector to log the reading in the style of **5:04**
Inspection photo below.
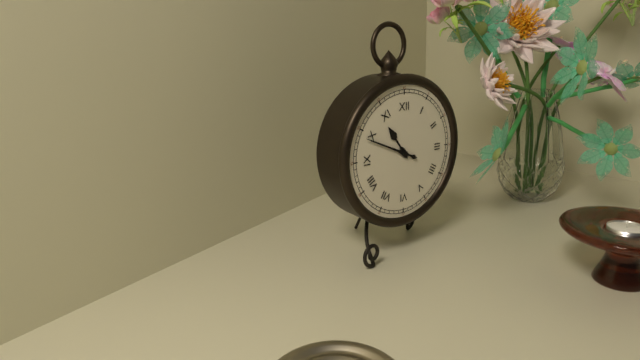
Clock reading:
**10:49**
